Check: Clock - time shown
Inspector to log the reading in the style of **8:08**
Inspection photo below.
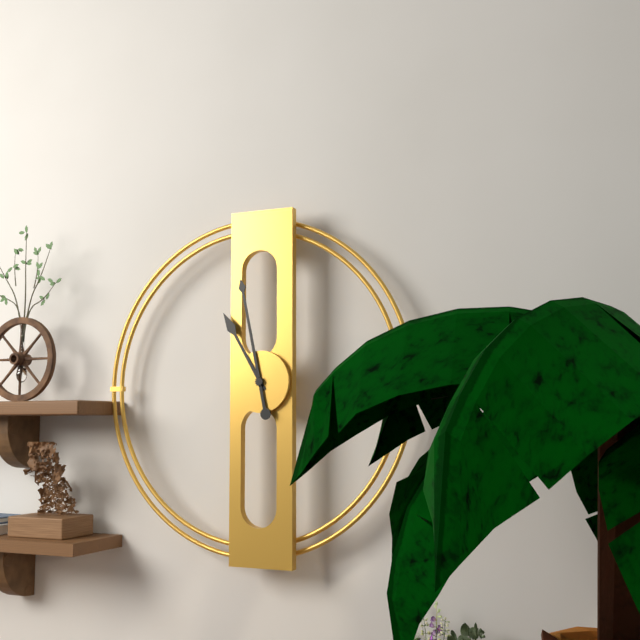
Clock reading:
**10:58**
